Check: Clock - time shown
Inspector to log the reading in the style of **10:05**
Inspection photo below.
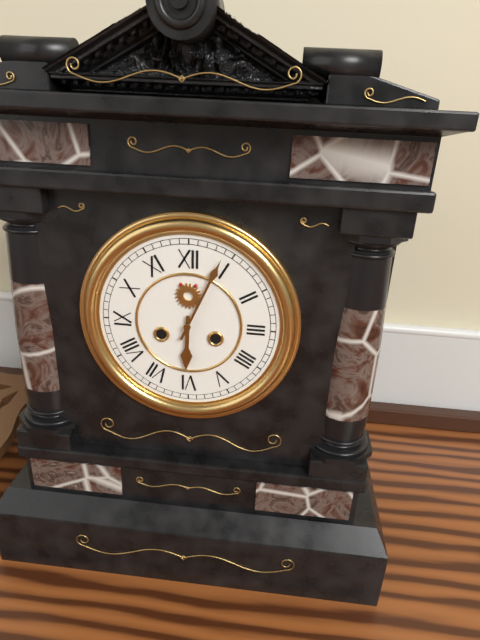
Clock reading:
**6:04**
